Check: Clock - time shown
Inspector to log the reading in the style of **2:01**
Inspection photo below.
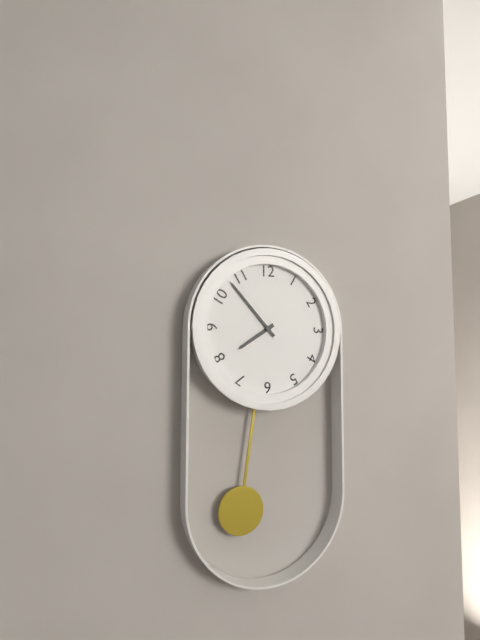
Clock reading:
**7:53**
